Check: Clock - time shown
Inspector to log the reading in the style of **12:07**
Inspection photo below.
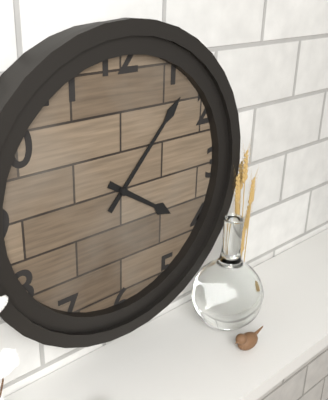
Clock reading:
**4:07**
